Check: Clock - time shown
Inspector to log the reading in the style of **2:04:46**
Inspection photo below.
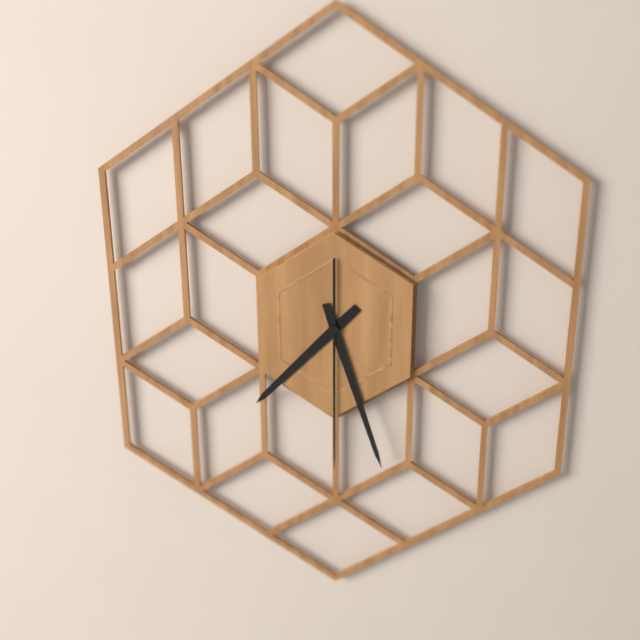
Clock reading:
**7:27:30**
